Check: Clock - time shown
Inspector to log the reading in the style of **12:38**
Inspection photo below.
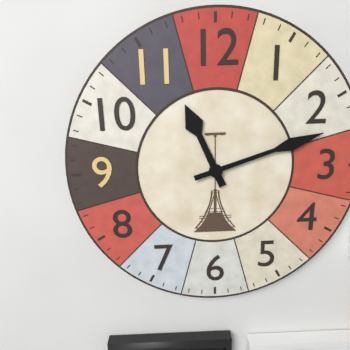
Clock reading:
**11:12**
